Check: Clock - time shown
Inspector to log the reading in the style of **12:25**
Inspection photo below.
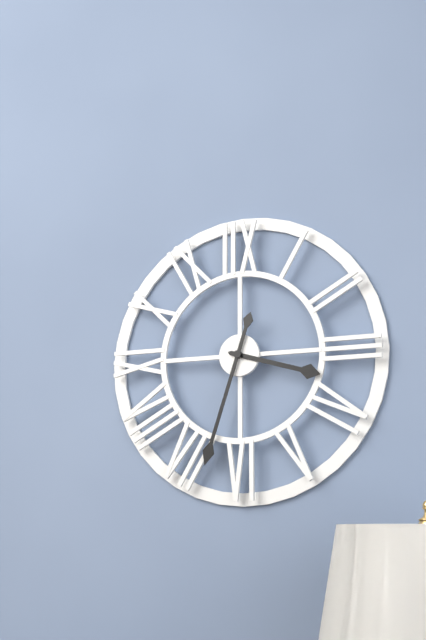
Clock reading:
**3:33**
